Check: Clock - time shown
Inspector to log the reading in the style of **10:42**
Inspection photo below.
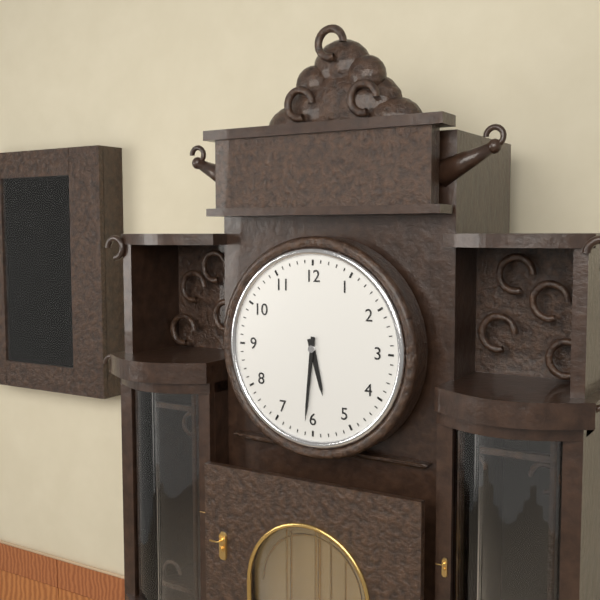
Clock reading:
**5:31**
